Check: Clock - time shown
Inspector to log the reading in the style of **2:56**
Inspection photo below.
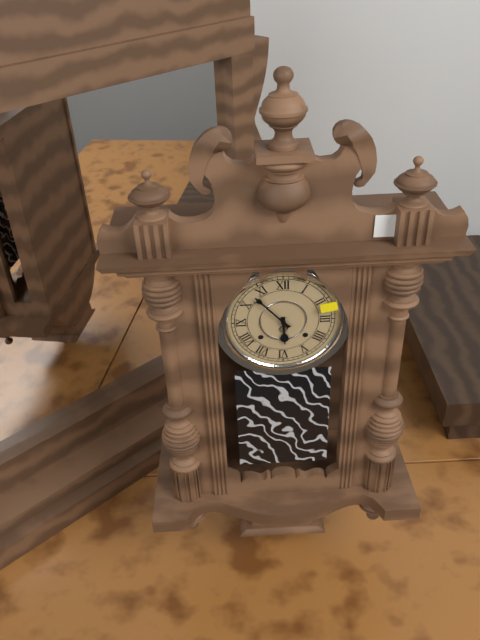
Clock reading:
**5:53**
